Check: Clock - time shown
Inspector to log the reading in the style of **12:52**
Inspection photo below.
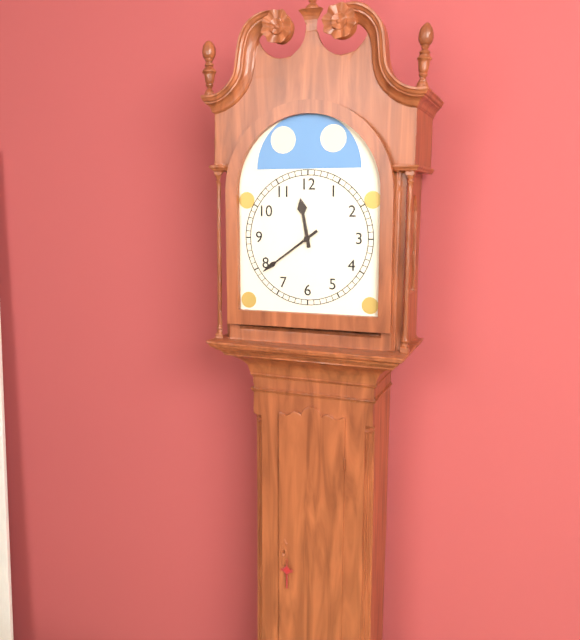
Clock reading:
**11:39**
